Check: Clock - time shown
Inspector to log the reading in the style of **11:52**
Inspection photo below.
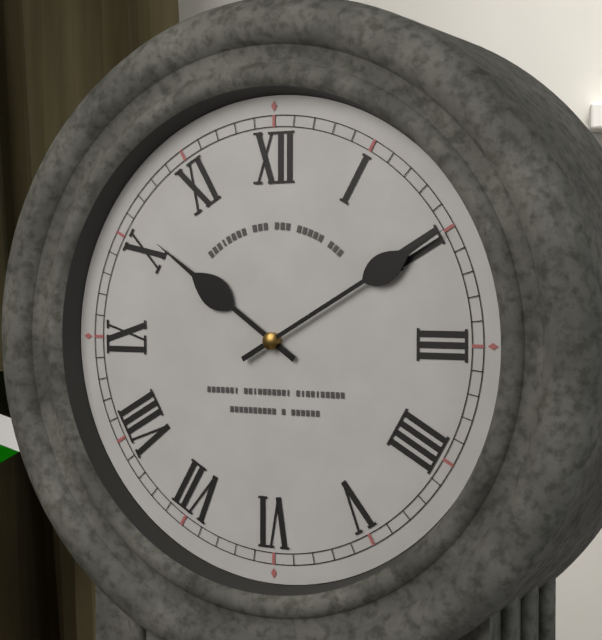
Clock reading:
**10:10**
